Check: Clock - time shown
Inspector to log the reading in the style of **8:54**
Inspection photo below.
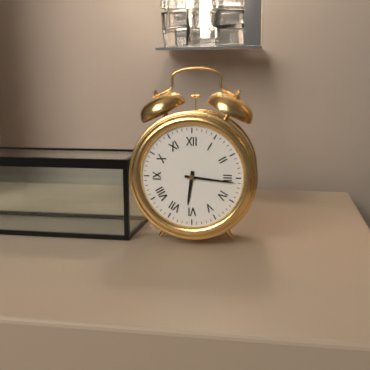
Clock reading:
**6:16**
